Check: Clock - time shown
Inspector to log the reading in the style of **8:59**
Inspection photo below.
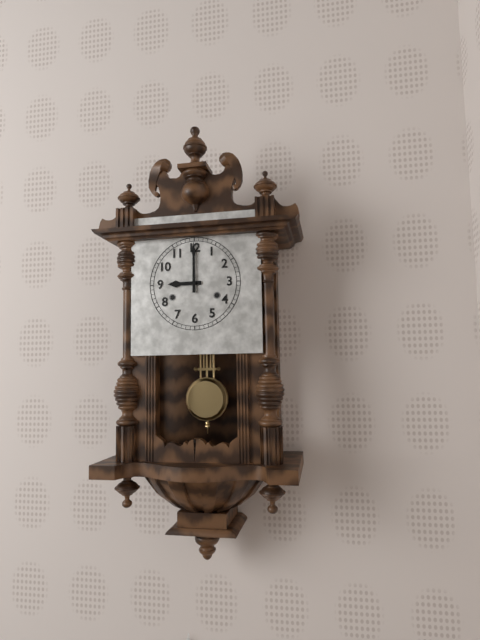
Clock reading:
**9:00**
